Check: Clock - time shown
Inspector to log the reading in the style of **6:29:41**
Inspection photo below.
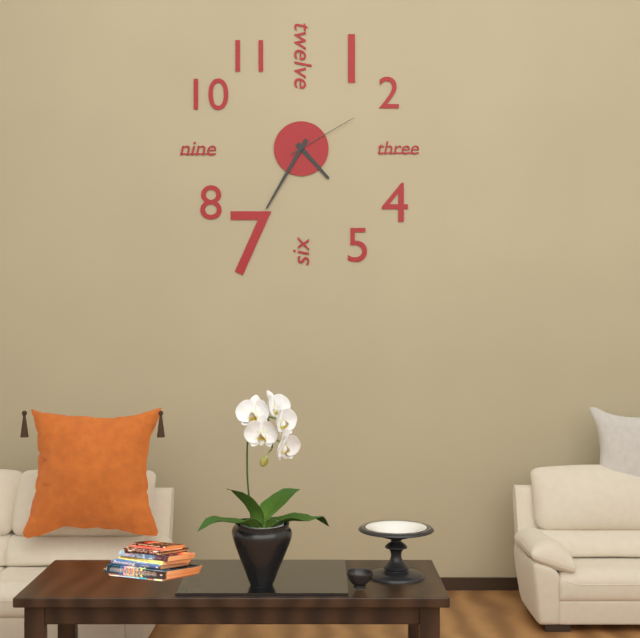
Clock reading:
**4:35:10**
